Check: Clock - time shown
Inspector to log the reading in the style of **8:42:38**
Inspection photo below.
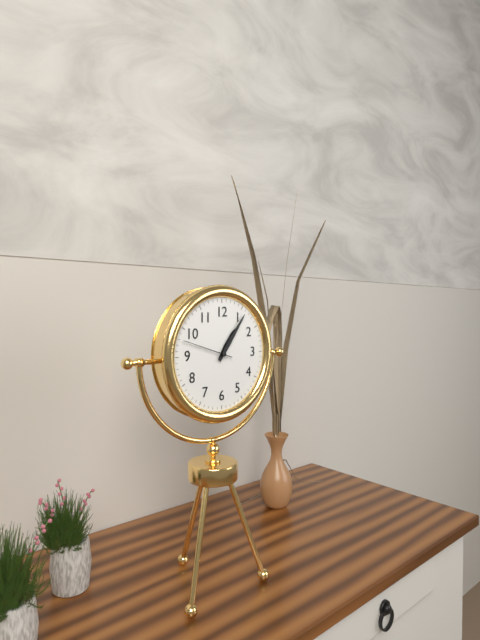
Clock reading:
**1:06:48**
